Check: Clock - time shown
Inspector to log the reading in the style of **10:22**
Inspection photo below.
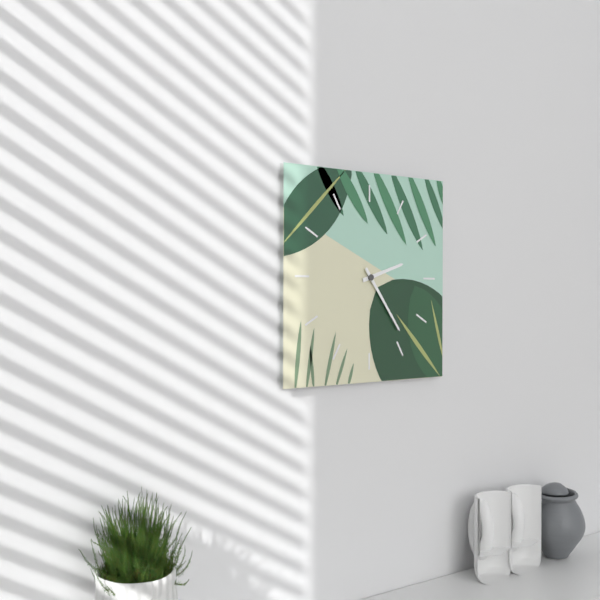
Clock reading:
**2:24**
